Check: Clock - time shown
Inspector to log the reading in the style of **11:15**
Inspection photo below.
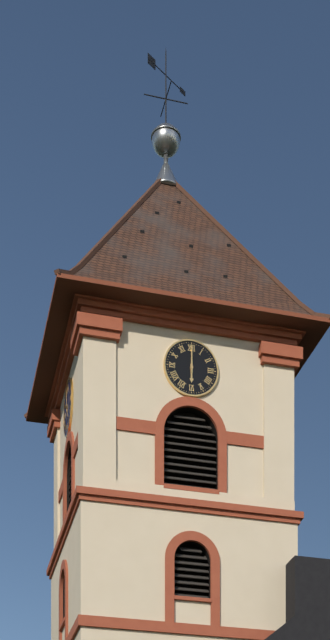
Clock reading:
**6:00**
